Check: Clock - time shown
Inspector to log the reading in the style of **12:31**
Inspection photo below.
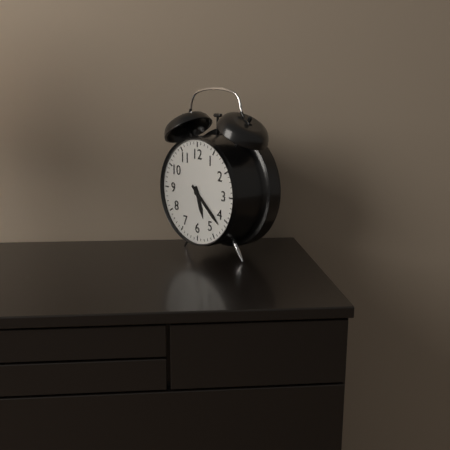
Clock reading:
**5:22**
